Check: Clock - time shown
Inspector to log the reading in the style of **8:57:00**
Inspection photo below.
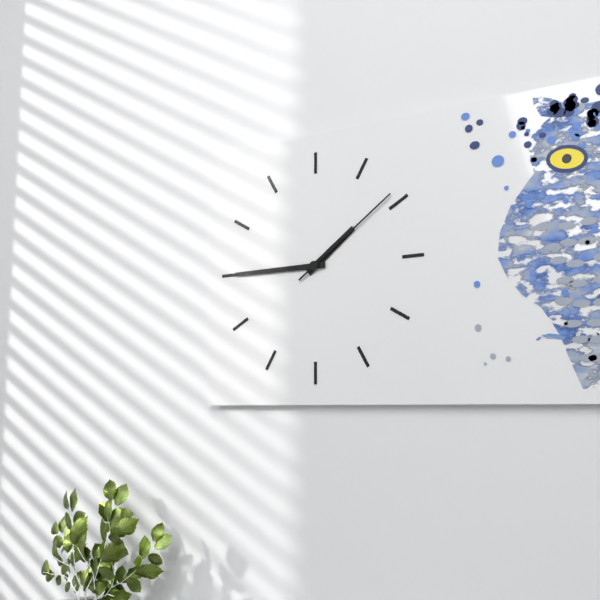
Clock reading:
**1:45:09**
